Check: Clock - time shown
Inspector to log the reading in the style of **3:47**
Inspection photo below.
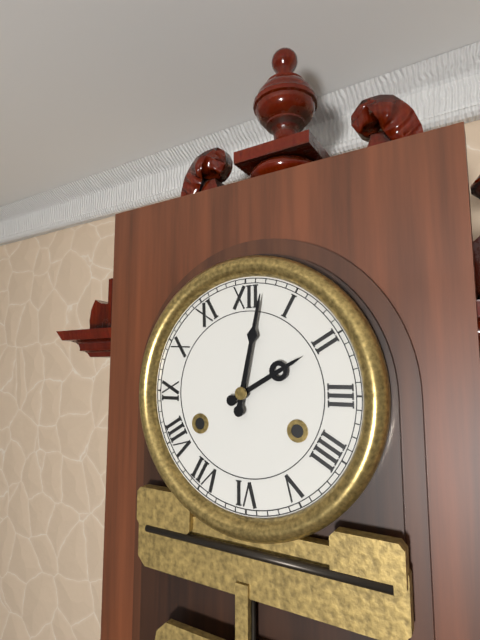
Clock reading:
**2:02**
